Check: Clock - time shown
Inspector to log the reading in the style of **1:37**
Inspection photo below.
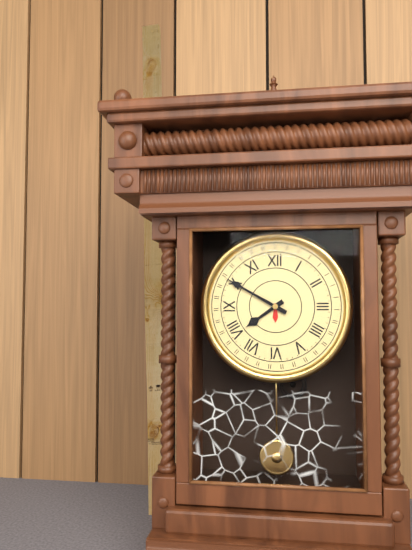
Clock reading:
**7:50**
